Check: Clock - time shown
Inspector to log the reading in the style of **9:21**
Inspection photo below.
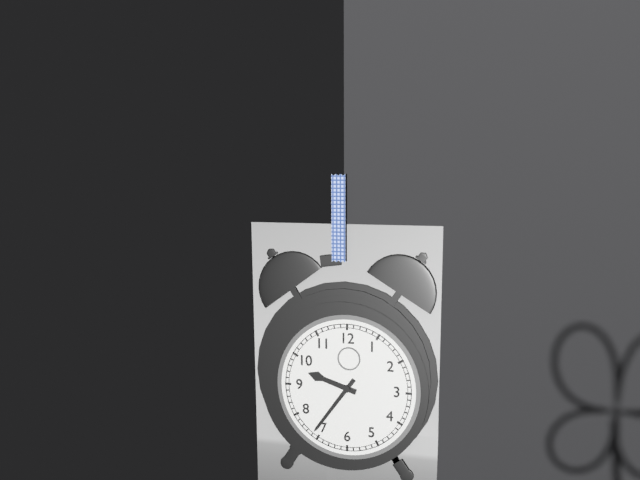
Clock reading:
**9:36**
